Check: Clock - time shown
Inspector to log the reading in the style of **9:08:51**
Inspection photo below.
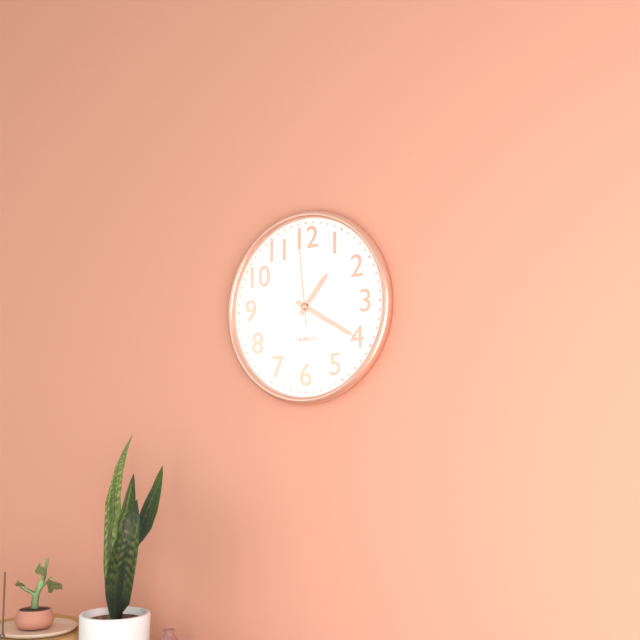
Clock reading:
**1:20:59**
